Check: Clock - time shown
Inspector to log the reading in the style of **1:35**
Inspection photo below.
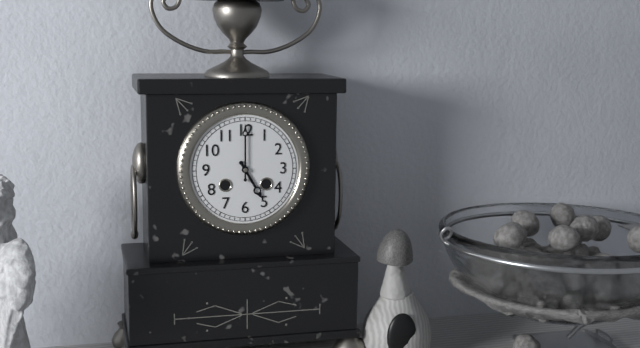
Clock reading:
**5:00**
